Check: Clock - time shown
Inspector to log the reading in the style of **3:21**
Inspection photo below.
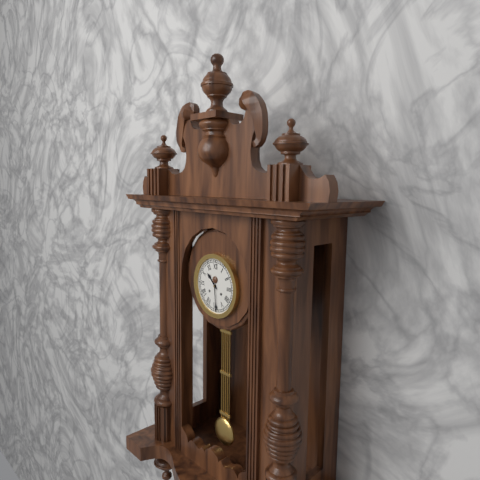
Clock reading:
**10:29**
